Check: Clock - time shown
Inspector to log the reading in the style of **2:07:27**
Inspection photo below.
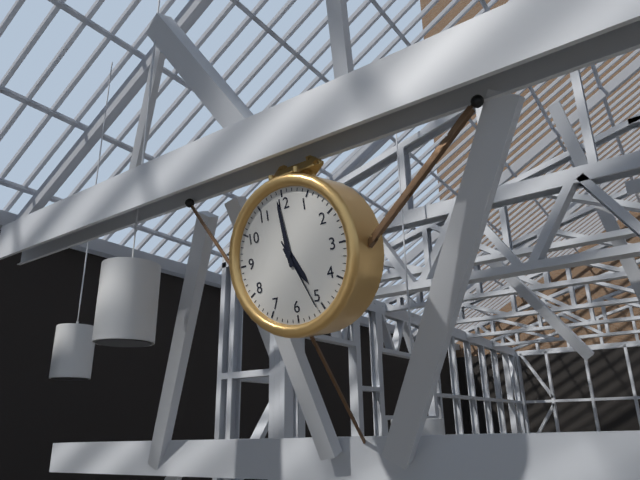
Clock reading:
**4:59:26**
